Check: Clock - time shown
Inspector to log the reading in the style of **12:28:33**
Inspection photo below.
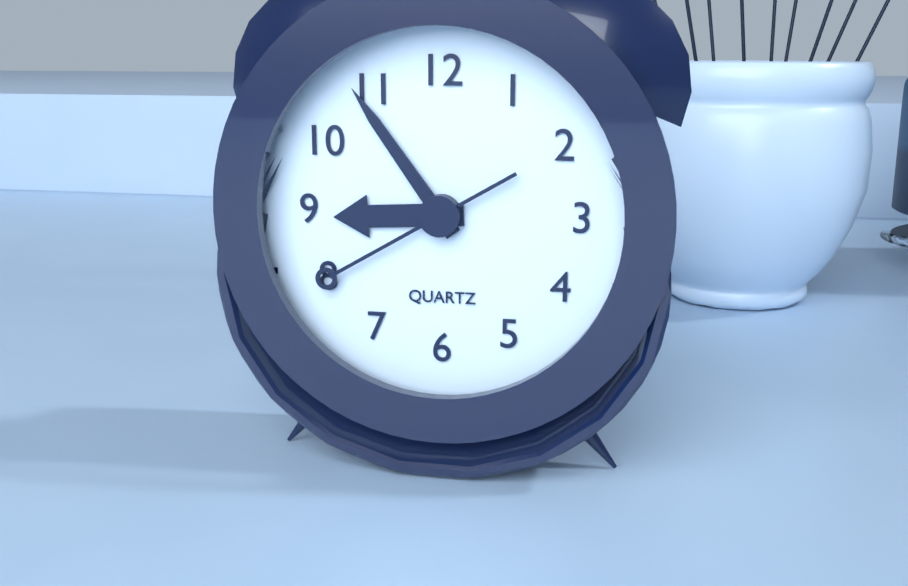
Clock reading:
**8:54:40**
